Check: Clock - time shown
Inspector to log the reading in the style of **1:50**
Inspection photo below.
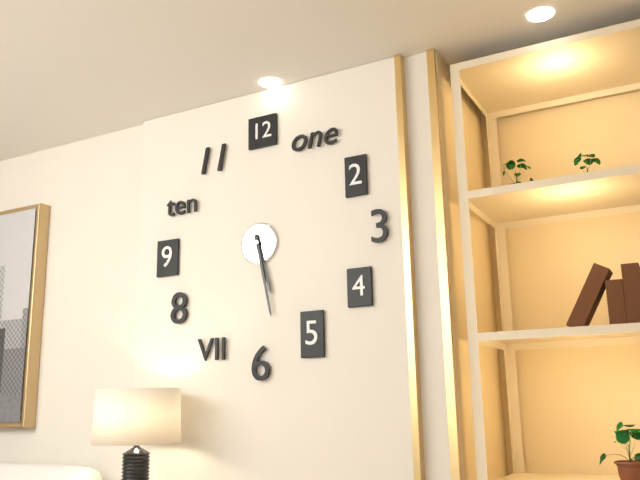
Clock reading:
**5:28**
